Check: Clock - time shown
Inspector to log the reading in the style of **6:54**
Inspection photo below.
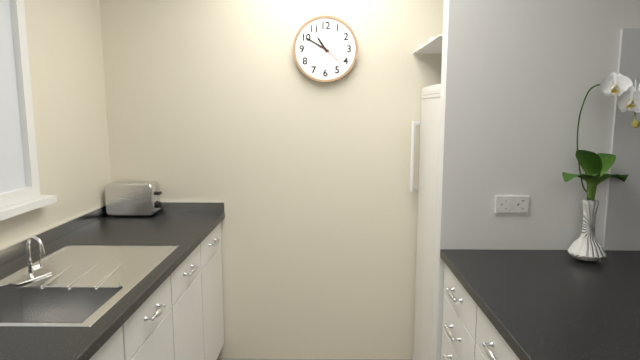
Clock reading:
**10:50**
